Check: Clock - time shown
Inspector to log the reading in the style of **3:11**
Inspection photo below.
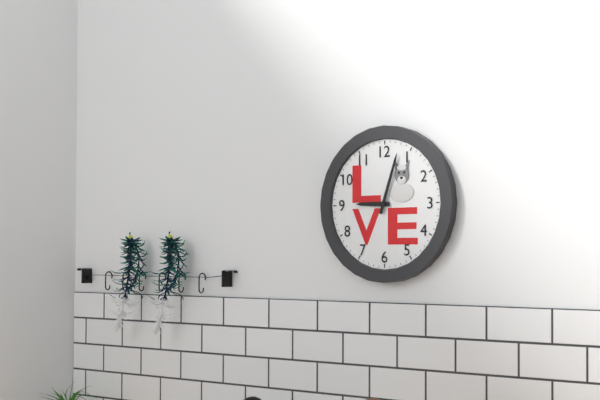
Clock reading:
**9:03**
